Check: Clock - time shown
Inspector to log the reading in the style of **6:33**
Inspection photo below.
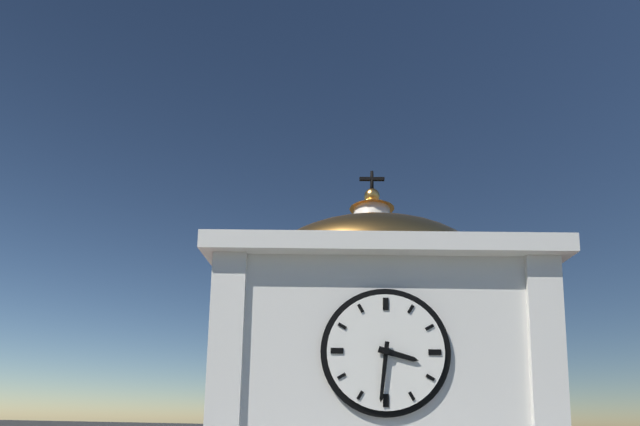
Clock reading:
**3:31**
